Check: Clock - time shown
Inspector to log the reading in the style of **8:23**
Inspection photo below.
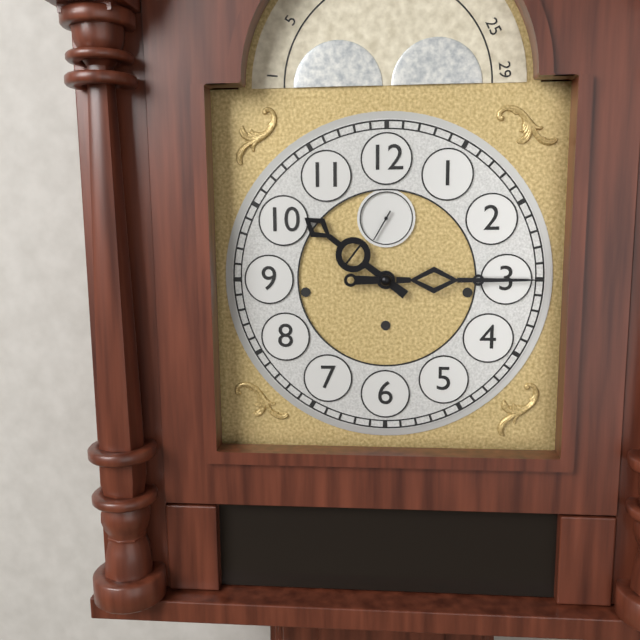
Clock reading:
**10:15**
